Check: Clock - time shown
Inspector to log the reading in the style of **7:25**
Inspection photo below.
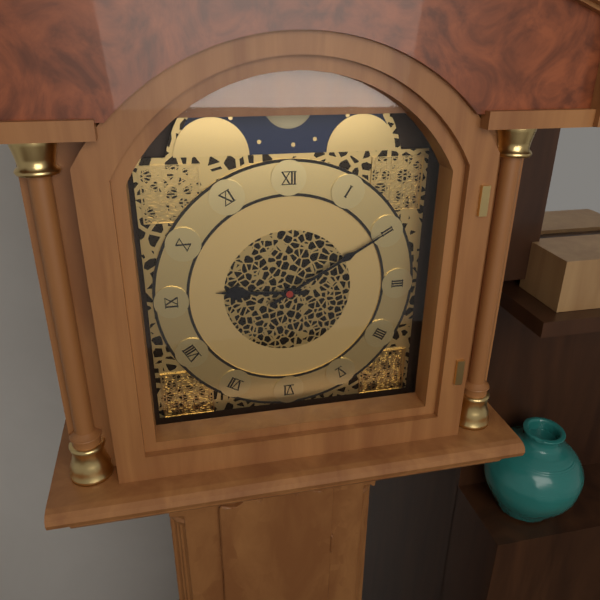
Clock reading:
**9:10**
